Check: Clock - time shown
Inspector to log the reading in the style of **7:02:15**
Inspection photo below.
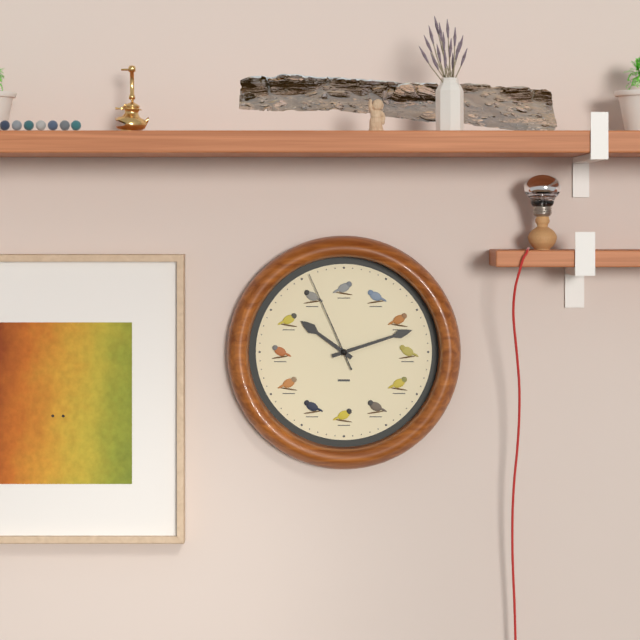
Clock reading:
**10:12:56**
